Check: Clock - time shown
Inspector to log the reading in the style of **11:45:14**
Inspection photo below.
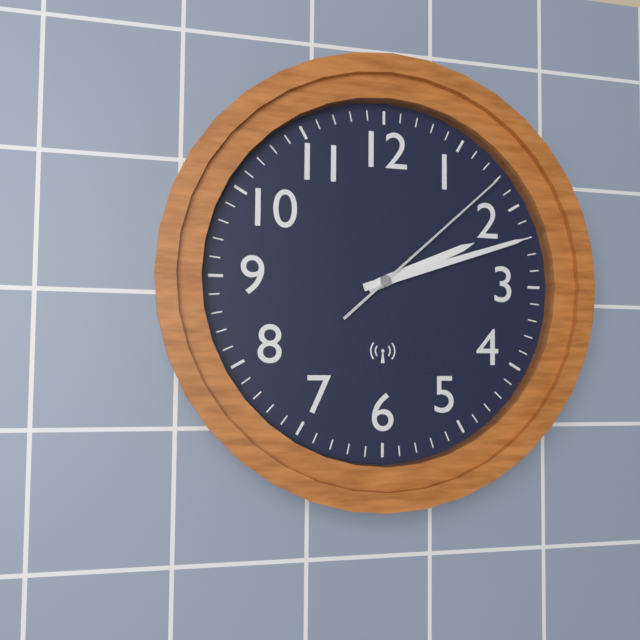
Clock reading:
**2:12:08**
